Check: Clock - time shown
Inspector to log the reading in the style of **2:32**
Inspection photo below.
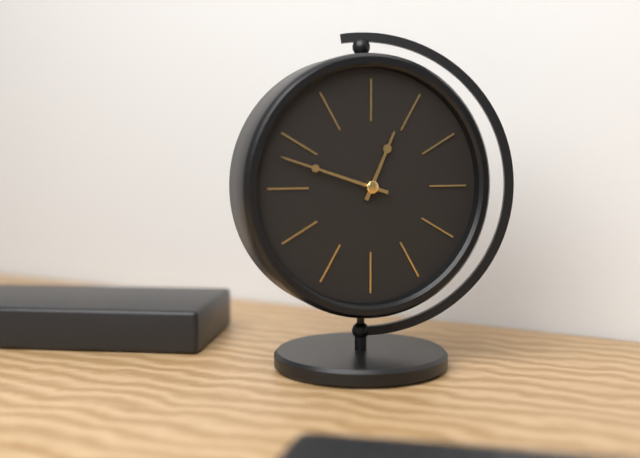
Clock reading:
**12:48**
